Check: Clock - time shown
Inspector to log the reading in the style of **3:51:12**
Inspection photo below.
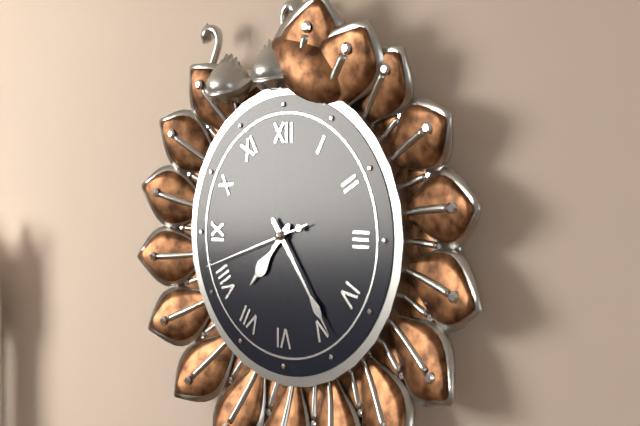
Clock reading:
**7:24:42**
